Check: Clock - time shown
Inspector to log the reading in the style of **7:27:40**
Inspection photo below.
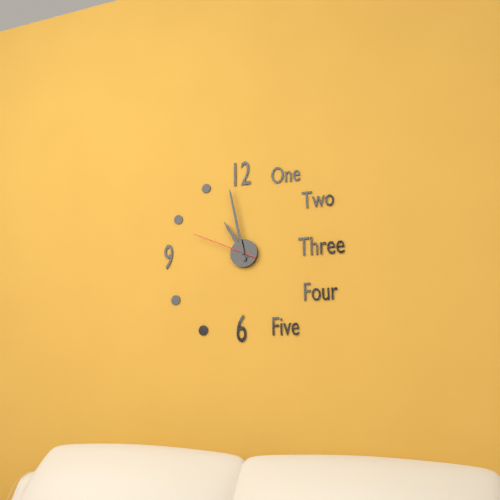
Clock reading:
**10:58:49**
